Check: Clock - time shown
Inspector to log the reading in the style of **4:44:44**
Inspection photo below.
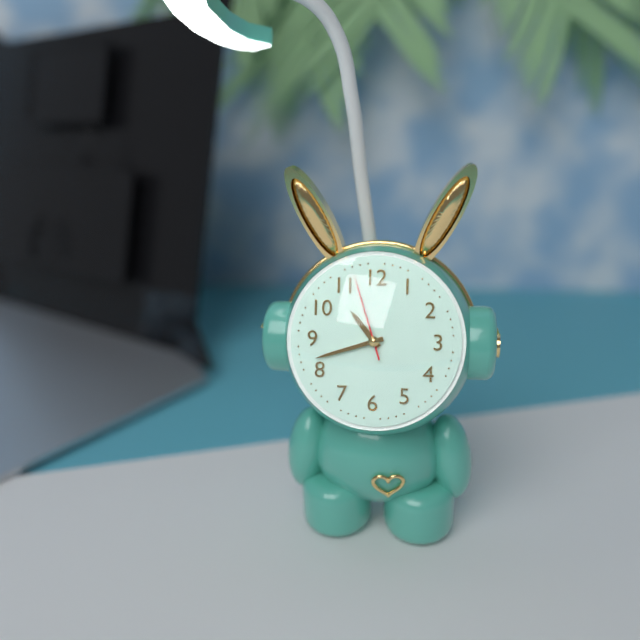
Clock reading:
**10:42:57**
